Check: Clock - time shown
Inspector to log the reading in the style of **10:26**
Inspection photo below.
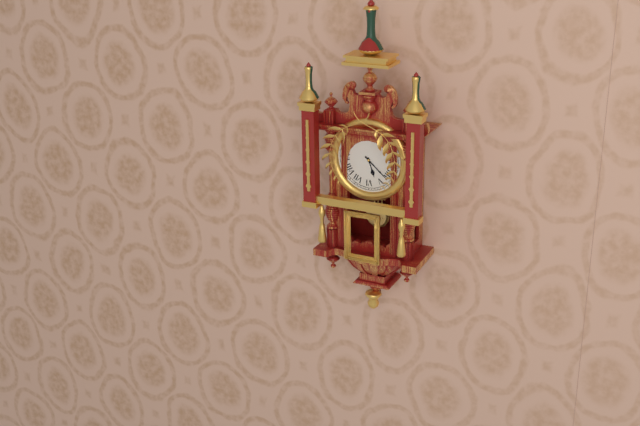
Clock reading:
**5:22**
